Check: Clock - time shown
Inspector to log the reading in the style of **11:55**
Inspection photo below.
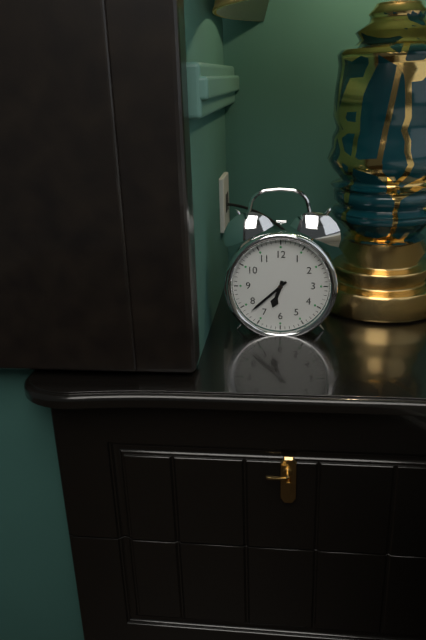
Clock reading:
**6:38**
